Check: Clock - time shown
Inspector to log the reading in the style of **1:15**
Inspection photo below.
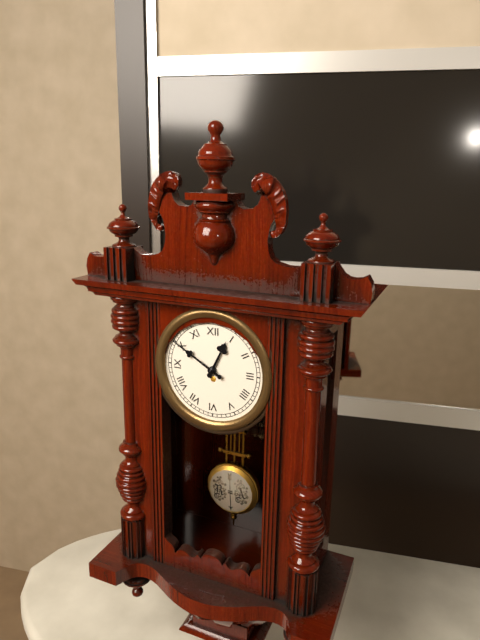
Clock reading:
**12:50**
